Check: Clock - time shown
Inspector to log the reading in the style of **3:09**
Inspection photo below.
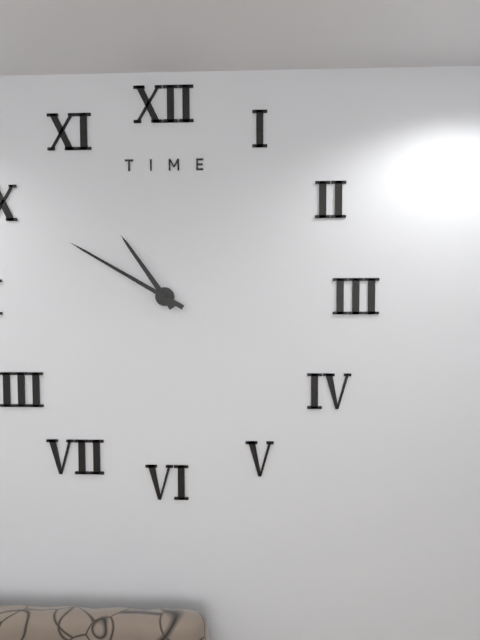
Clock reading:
**10:50**
